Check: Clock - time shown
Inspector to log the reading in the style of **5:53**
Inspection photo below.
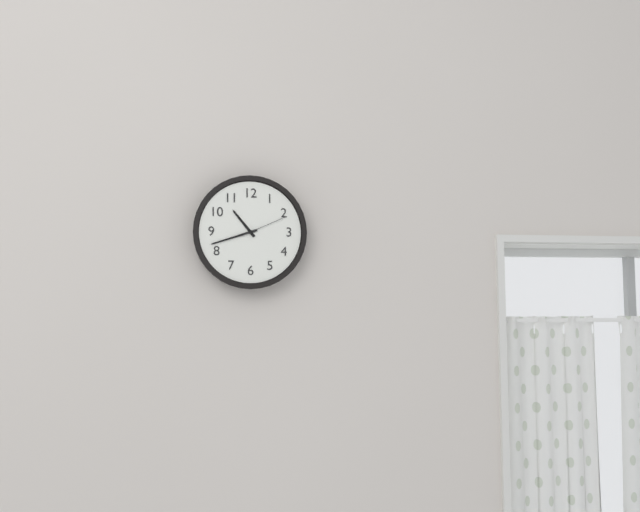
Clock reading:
**10:42**
